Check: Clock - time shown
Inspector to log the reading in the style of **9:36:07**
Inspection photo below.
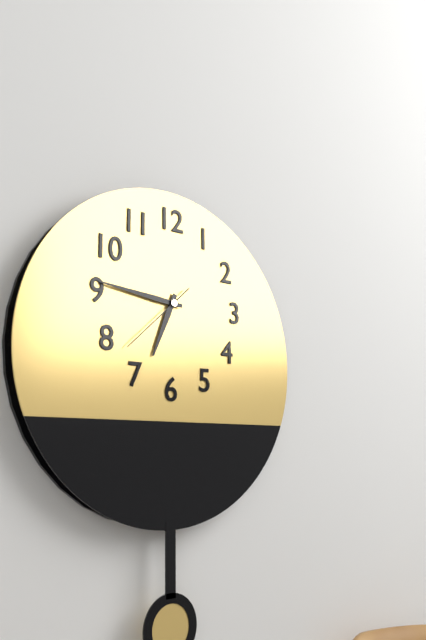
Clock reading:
**6:46:38**
